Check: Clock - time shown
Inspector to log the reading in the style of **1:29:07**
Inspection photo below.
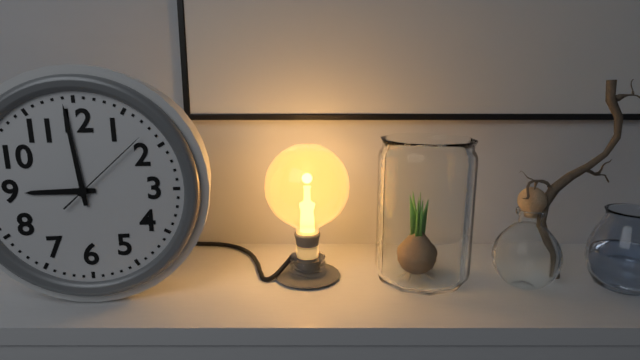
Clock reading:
**8:59:08**
